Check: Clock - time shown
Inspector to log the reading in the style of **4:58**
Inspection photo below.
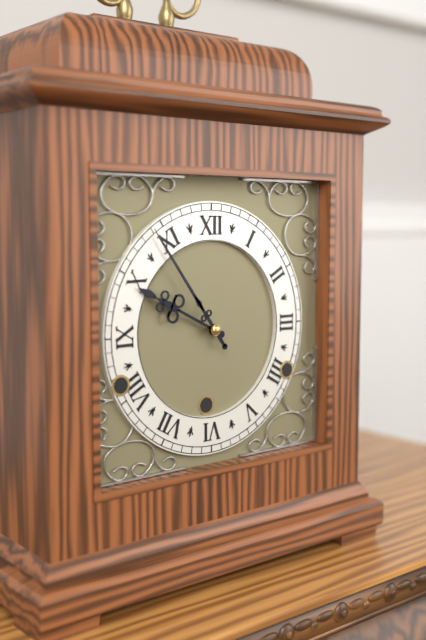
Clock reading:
**9:54**
